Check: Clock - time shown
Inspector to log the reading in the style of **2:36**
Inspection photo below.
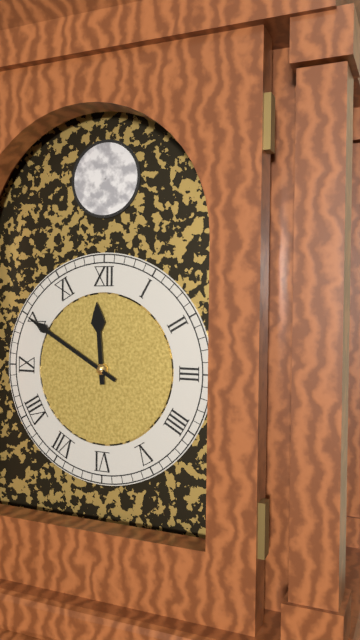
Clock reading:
**11:50**
